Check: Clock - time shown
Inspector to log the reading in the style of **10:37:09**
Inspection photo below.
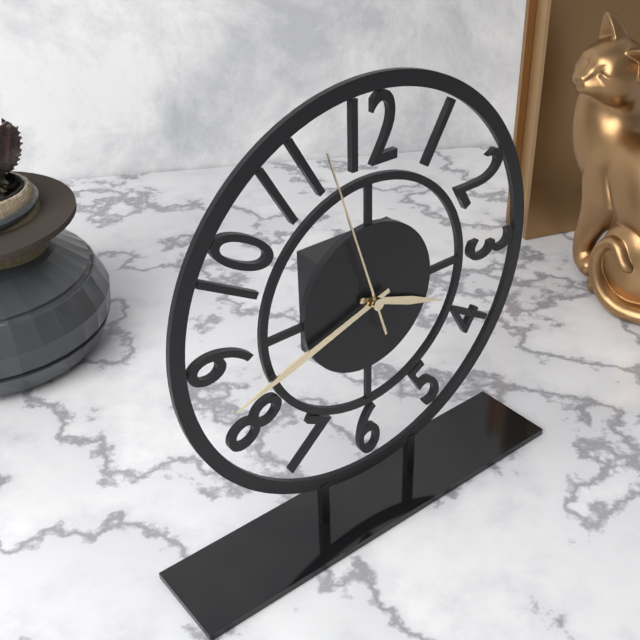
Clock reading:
**3:42:57**
